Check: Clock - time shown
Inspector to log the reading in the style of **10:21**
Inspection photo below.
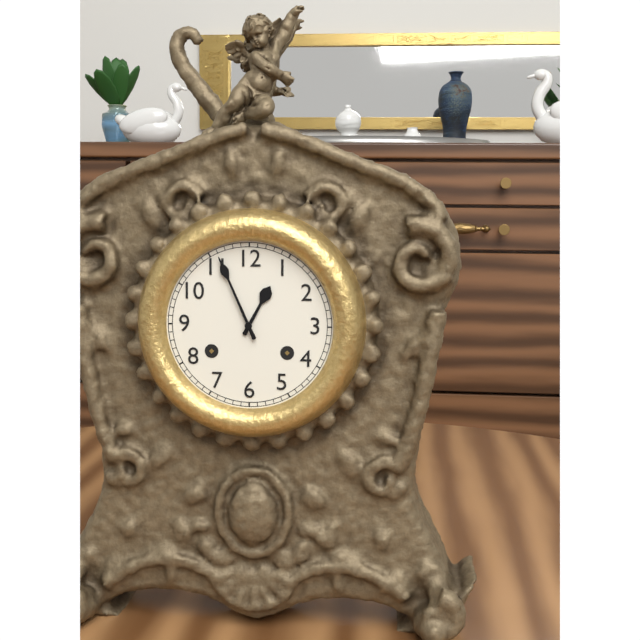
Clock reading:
**12:56**
